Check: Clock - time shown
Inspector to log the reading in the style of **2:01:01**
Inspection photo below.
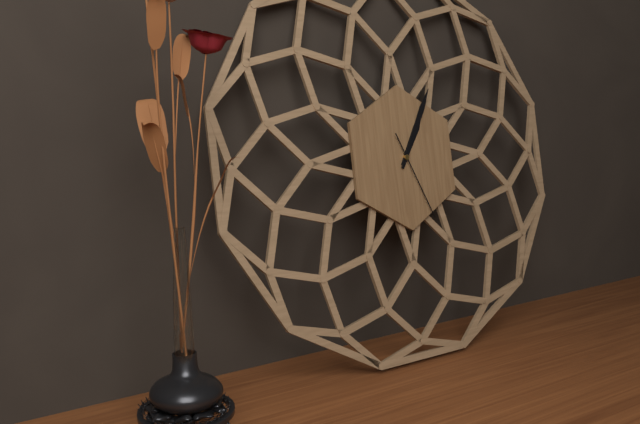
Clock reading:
**1:05:26**
